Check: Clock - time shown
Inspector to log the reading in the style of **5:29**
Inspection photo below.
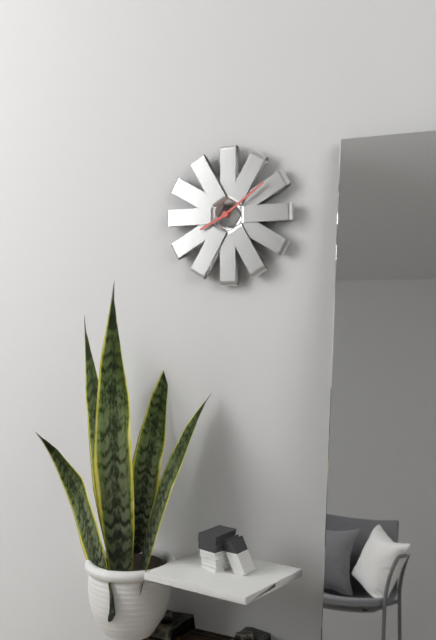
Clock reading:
**8:09**
